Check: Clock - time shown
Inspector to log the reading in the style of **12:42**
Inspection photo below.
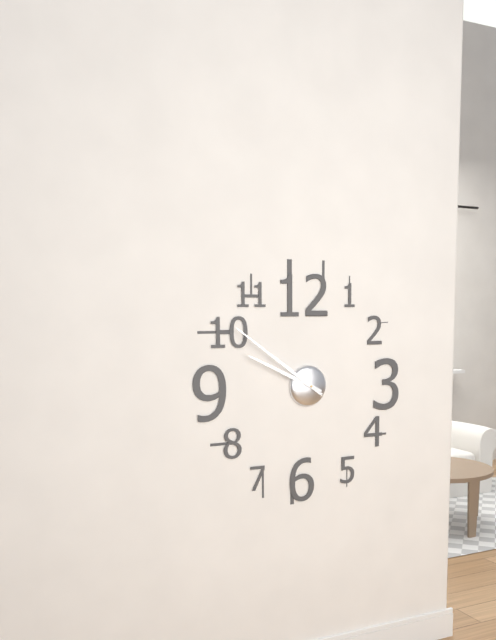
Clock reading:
**9:51**
